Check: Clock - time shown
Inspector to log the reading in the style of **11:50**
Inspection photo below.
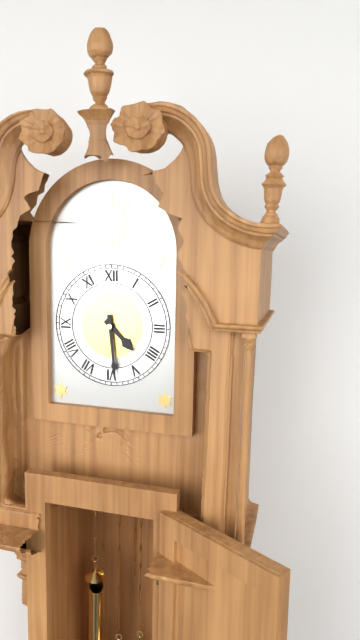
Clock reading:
**4:29**
